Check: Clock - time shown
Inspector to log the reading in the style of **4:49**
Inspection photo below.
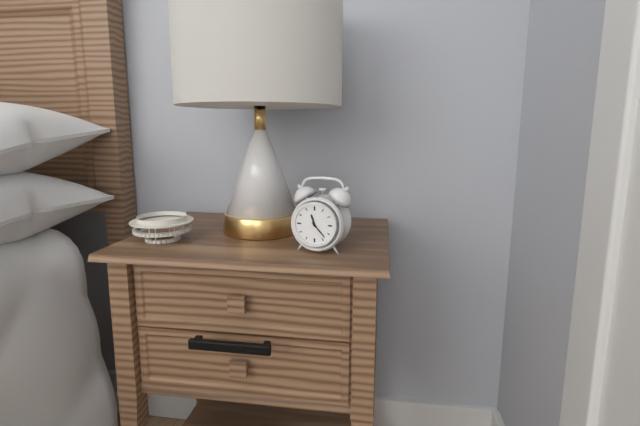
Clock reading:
**11:23**
